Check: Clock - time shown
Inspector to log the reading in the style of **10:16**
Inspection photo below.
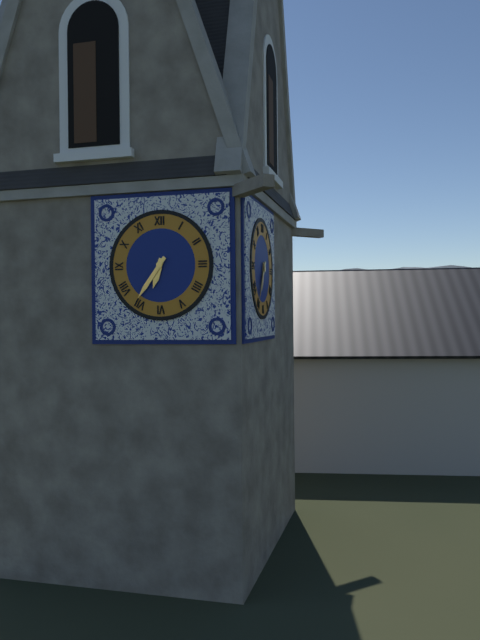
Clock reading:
**6:36**
